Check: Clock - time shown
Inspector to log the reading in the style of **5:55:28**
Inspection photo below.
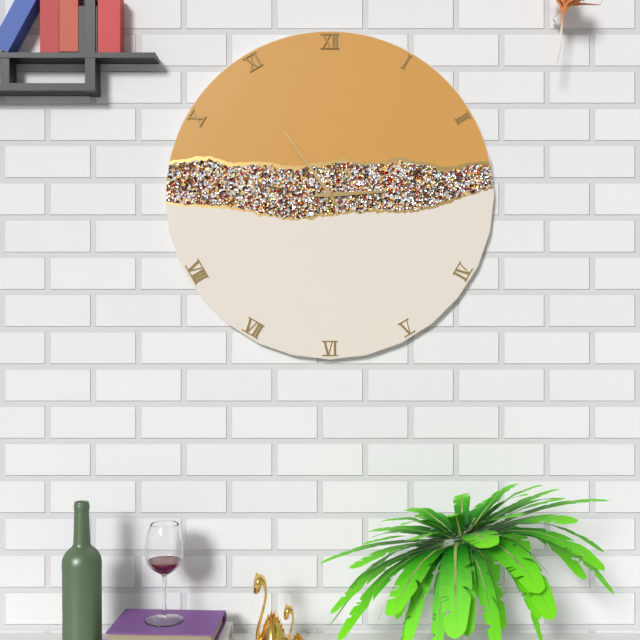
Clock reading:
**2:54:07**
